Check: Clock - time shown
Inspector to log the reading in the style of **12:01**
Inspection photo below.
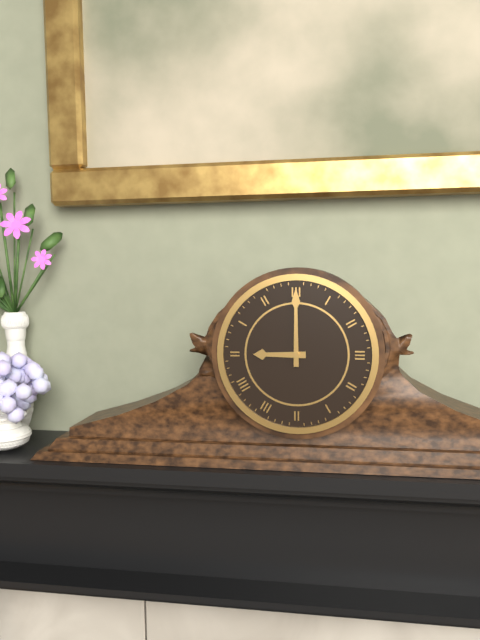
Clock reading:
**9:00**
